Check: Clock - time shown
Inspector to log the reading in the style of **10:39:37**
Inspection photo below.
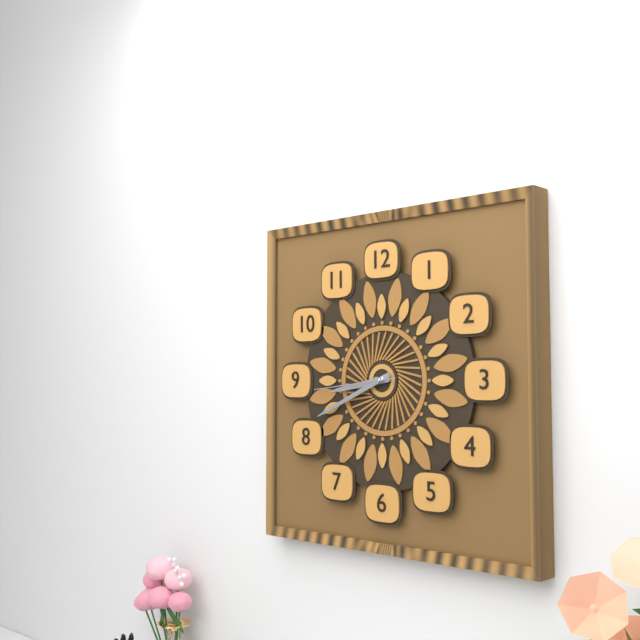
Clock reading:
**8:41:44**
